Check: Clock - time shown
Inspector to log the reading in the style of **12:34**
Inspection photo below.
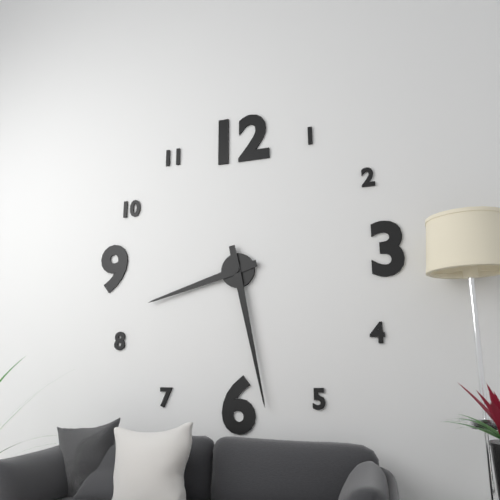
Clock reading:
**8:28**
